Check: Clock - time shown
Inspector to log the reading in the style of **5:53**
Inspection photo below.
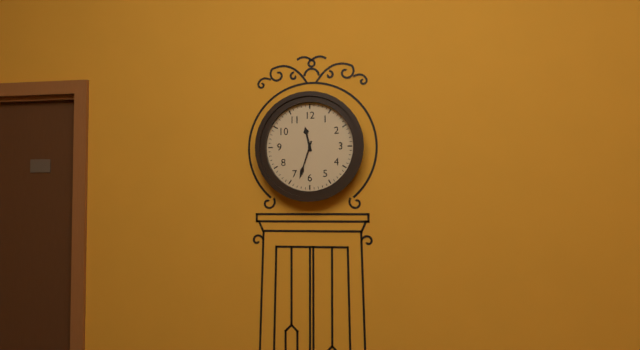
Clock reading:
**11:33**
